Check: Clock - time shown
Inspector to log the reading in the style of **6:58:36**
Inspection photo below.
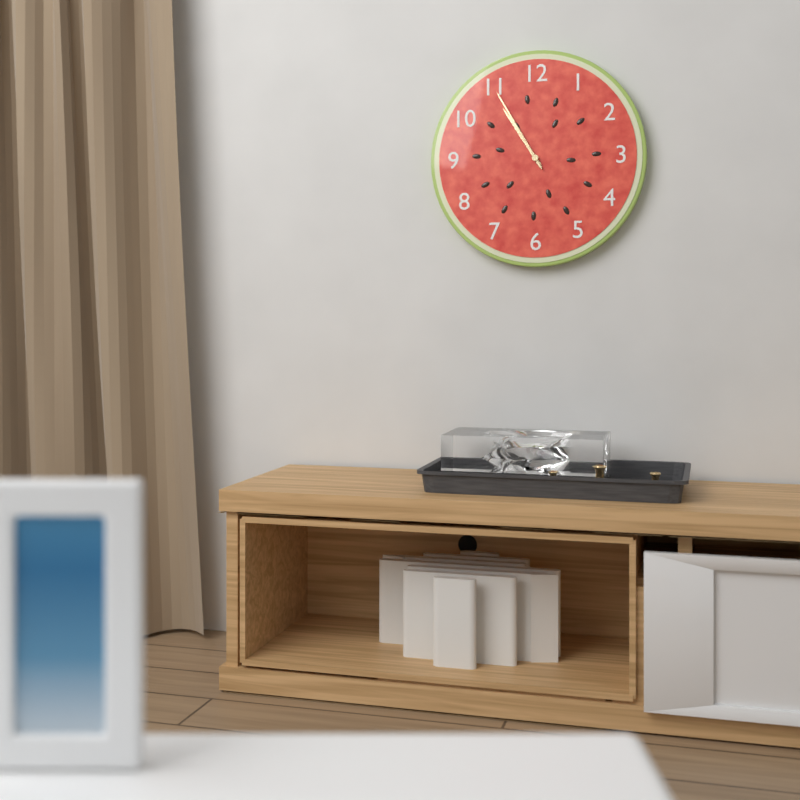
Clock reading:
**10:55:55**
